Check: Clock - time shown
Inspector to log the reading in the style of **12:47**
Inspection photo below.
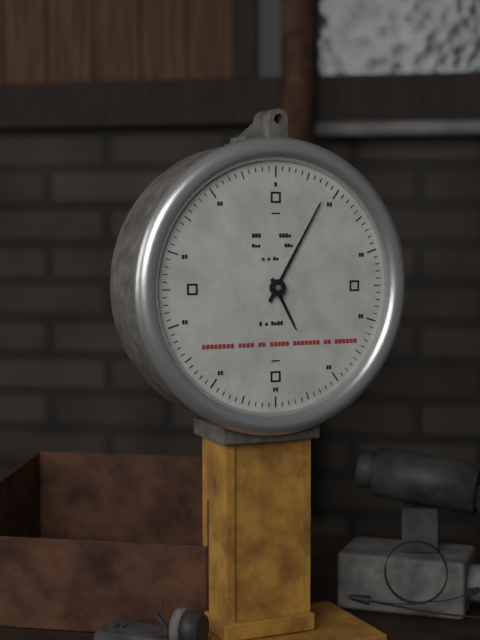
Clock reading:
**5:05**
